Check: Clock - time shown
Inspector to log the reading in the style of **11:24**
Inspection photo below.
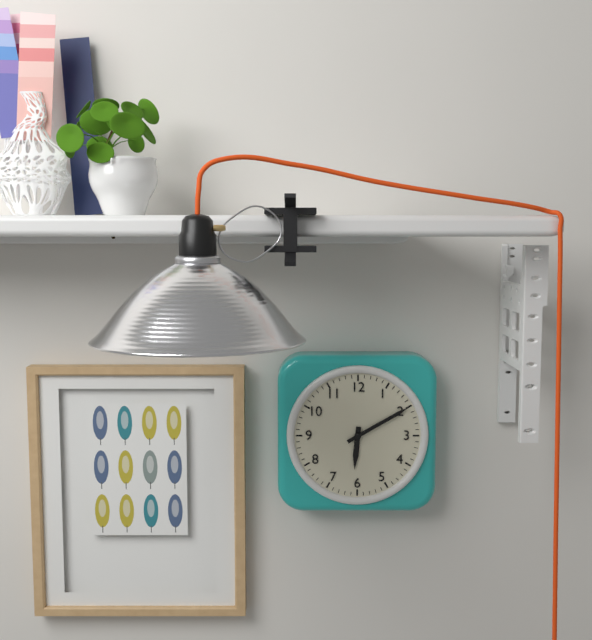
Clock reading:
**6:10**
